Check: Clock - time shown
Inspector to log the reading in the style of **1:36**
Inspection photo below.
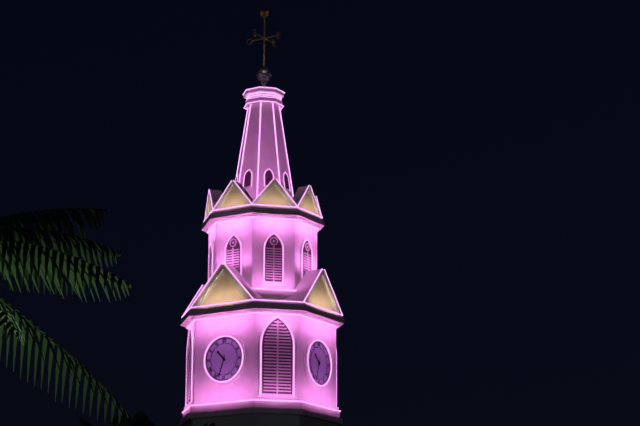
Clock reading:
**10:33**
